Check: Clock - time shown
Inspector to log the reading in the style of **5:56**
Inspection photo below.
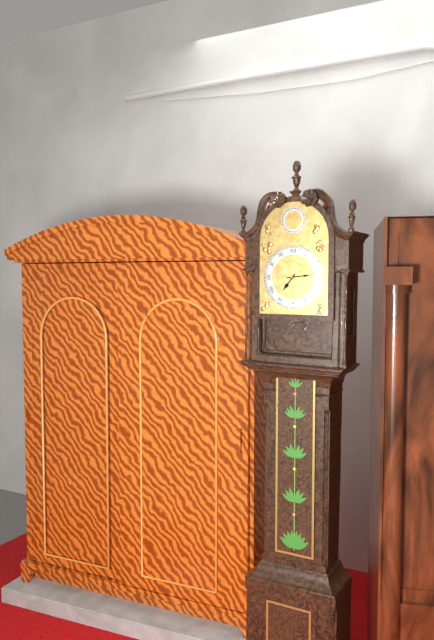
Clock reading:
**7:14**
